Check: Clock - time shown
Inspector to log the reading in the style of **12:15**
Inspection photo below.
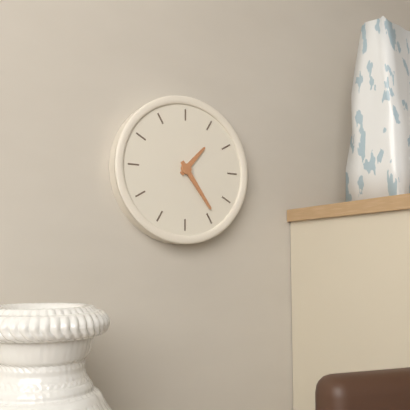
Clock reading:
**1:24**
